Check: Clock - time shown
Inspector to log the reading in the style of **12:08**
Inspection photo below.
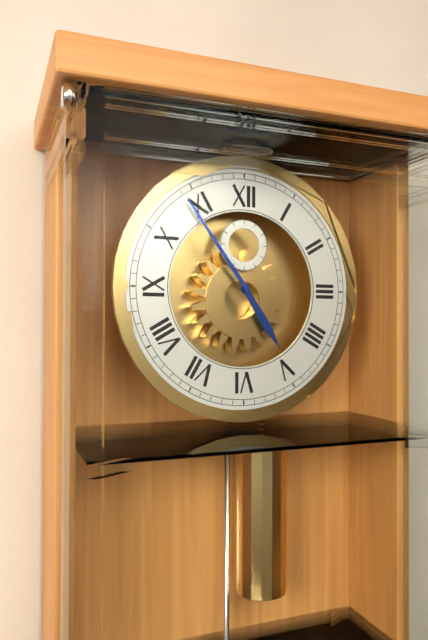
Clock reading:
**4:54**
